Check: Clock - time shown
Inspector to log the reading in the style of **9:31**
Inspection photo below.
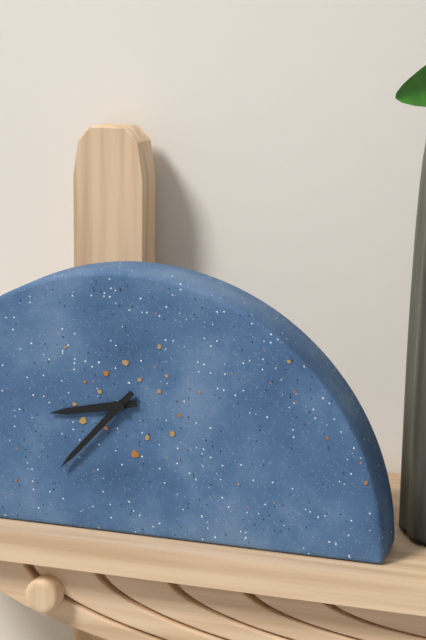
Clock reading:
**8:37**
